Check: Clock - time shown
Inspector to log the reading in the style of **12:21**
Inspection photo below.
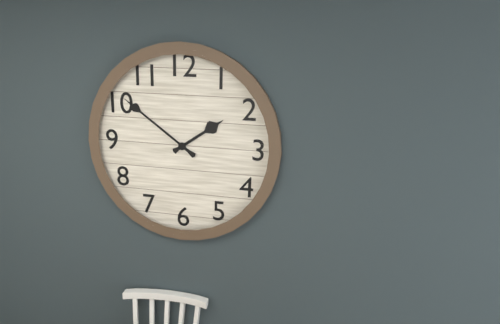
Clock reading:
**1:51**
